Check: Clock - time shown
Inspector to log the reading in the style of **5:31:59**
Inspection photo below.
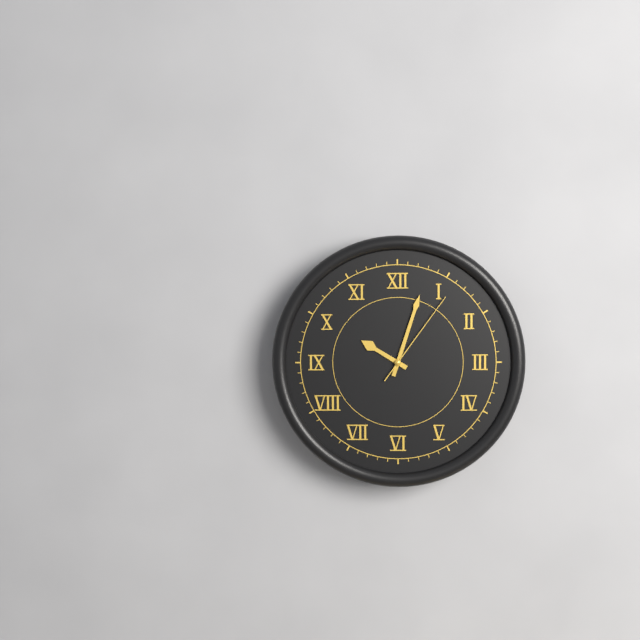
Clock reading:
**10:03:06**
